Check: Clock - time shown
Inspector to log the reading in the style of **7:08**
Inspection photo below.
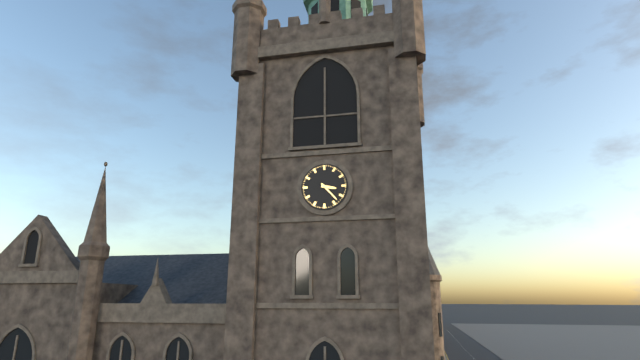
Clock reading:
**3:23**
